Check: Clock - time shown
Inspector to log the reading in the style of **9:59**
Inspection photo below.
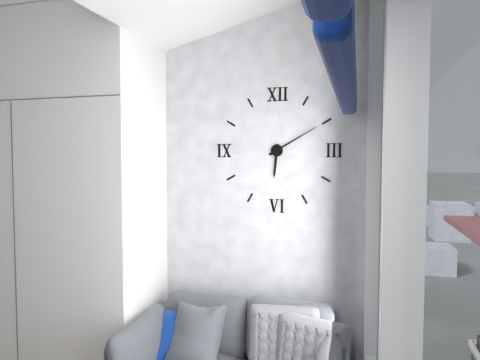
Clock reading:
**6:10**
